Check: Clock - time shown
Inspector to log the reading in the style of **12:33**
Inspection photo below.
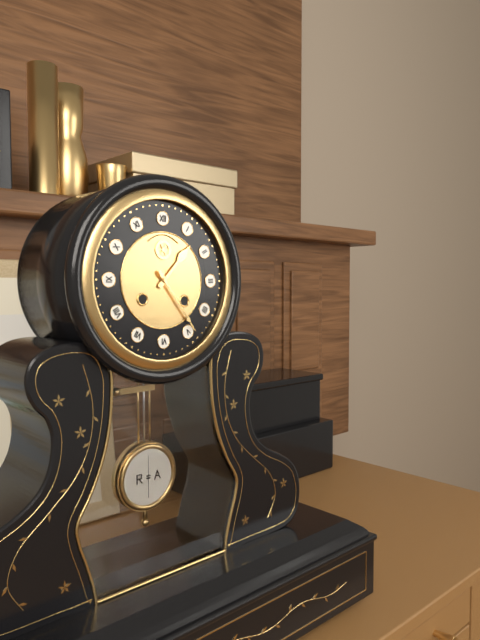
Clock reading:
**1:24**
